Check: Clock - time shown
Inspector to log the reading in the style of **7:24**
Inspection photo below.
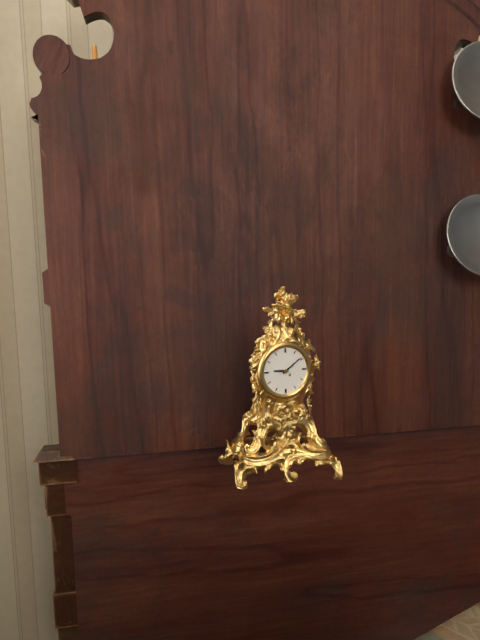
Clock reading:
**9:09**
